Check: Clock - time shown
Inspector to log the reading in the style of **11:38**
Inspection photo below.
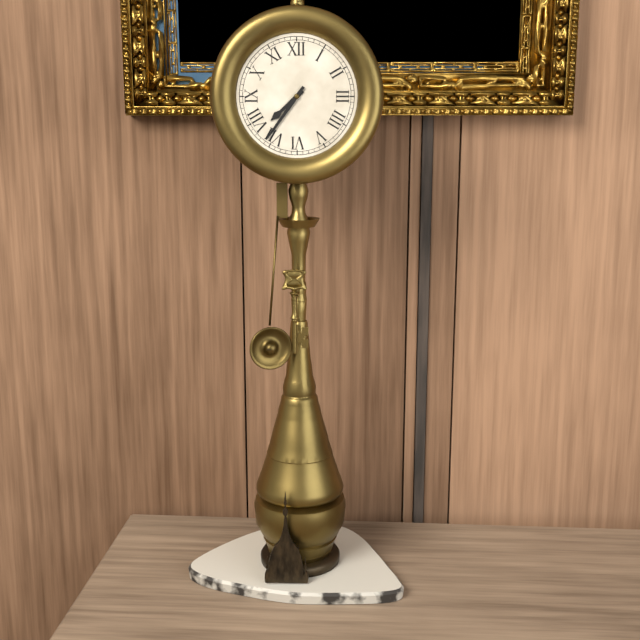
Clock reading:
**7:36**
